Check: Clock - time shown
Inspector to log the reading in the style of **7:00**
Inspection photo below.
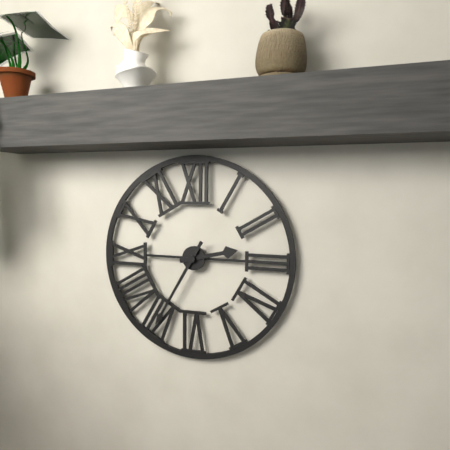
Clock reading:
**2:35**
